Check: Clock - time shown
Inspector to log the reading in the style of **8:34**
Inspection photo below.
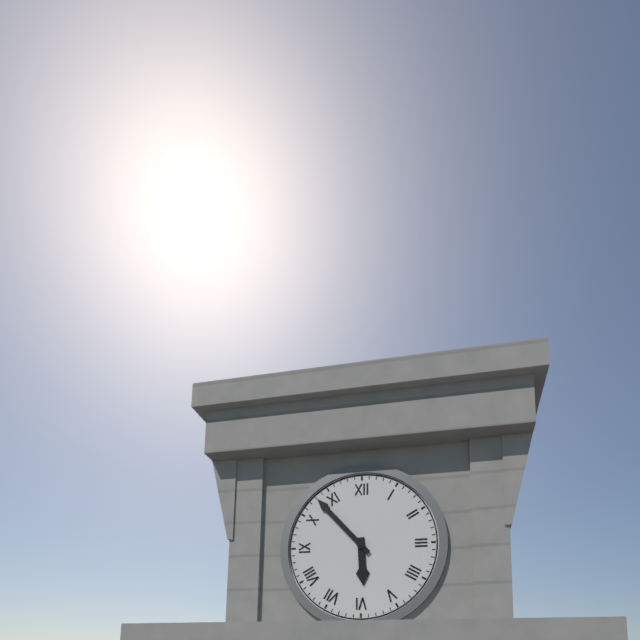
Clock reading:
**5:53**
